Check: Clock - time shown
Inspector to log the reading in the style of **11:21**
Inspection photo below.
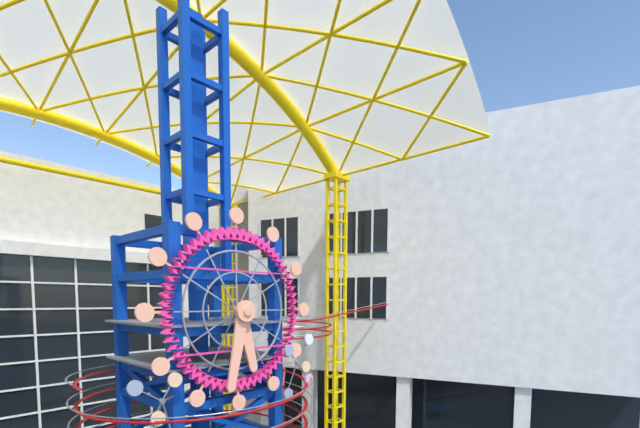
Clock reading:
**5:32**
